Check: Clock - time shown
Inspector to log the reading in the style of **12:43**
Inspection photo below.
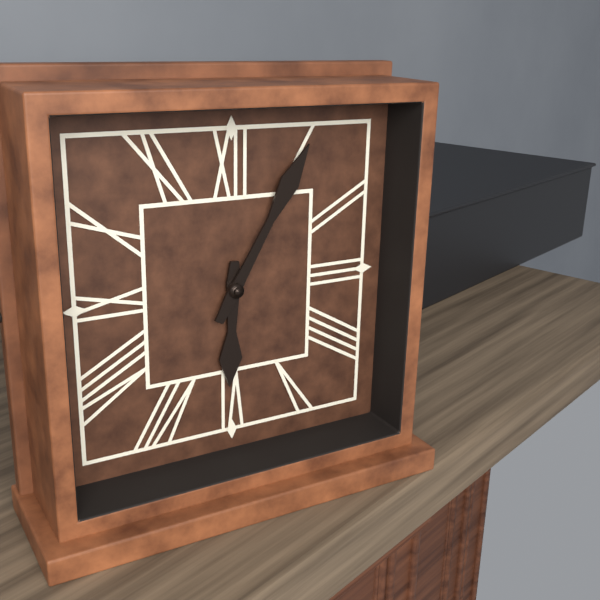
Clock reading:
**6:05**
